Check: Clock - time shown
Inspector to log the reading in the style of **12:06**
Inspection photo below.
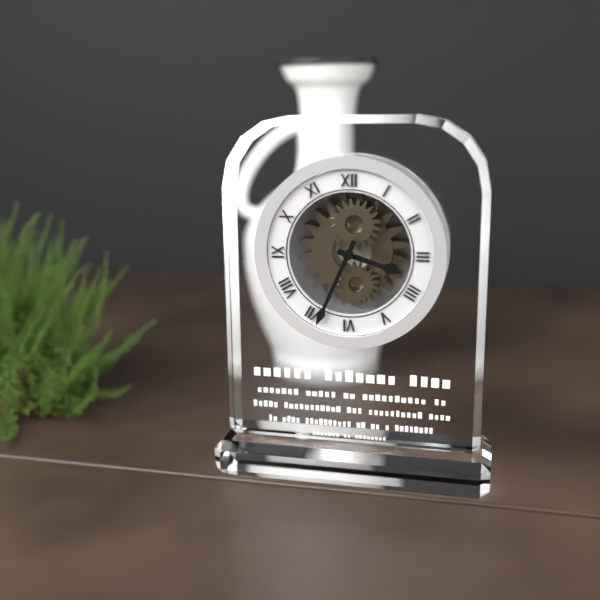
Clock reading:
**3:34**
